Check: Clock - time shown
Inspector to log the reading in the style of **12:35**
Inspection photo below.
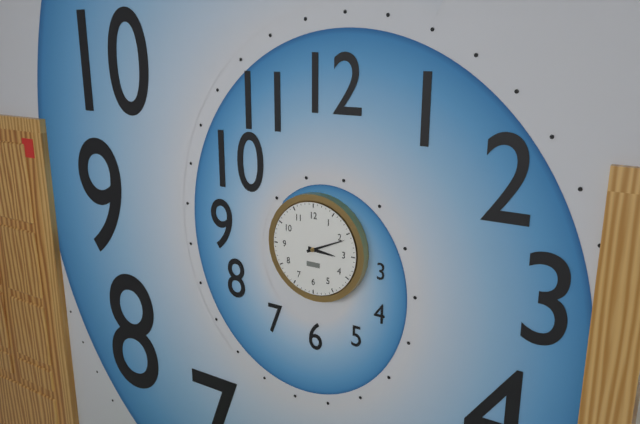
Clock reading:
**3:11**
